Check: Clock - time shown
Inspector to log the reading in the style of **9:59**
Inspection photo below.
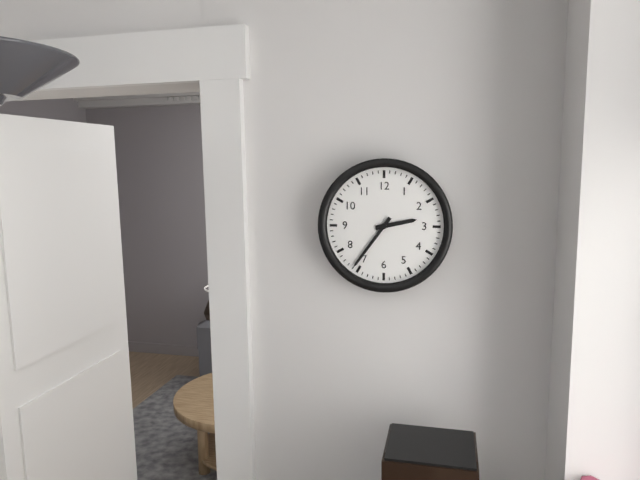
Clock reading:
**2:36**
